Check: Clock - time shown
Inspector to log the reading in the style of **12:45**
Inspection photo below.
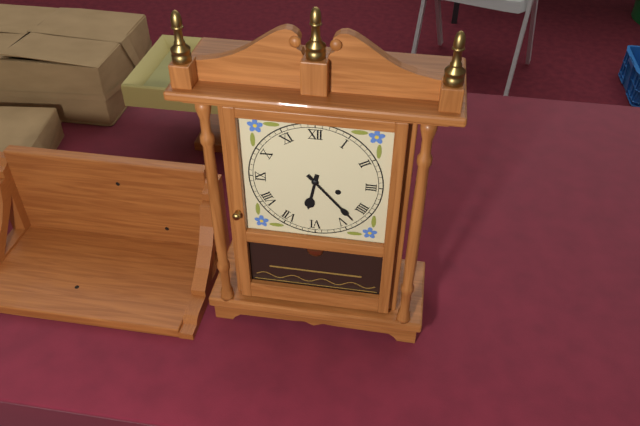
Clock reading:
**6:23**
